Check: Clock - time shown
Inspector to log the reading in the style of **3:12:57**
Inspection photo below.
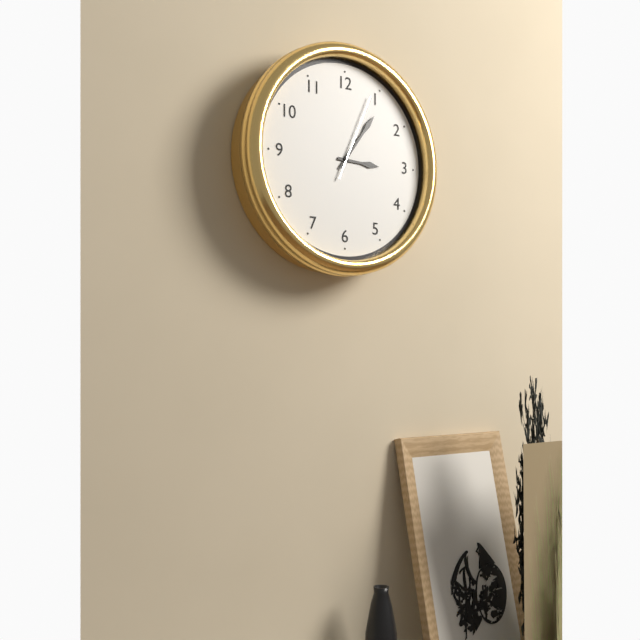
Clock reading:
**3:06:04**
